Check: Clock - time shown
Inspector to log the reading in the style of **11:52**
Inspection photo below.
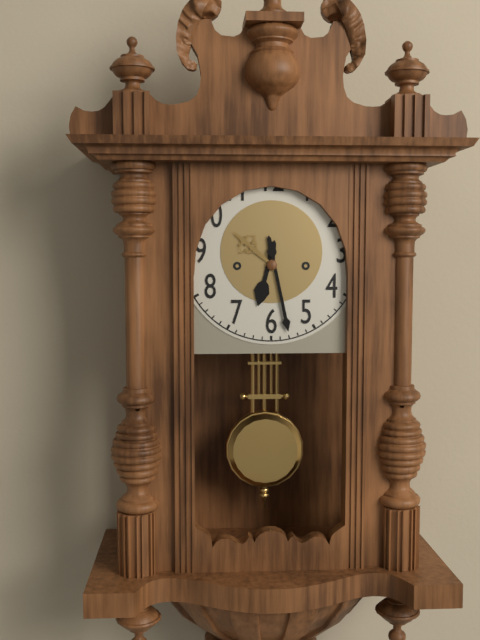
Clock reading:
**6:28**
